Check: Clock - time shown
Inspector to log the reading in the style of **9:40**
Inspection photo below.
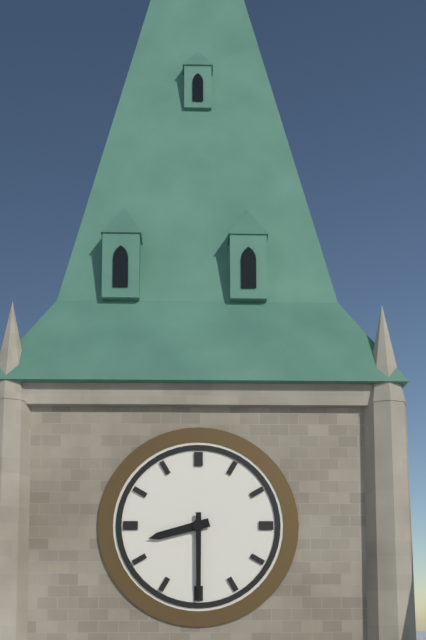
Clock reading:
**8:30**
